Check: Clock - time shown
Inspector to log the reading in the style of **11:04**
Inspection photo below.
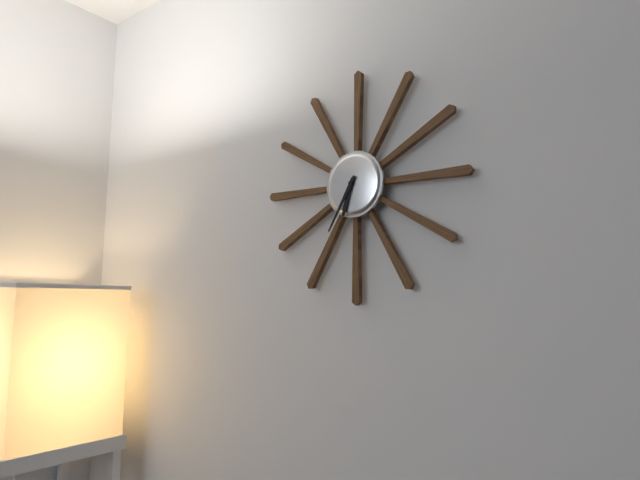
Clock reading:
**6:35**
